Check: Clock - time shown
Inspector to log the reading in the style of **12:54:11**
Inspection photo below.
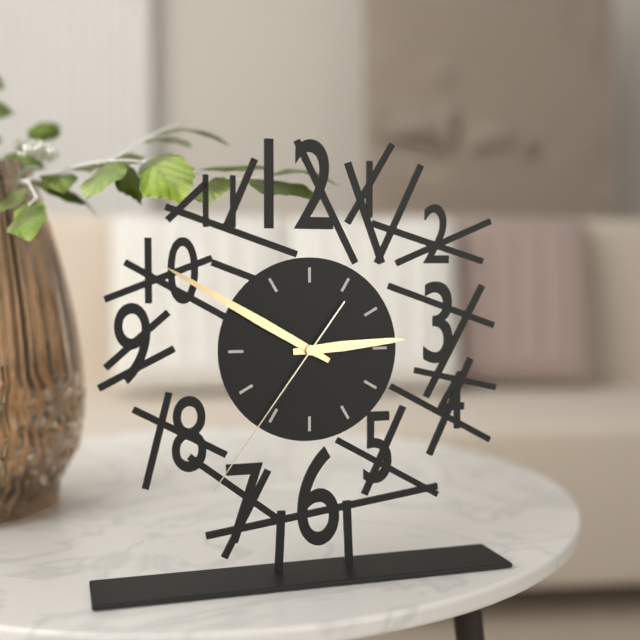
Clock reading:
**2:50:36**
